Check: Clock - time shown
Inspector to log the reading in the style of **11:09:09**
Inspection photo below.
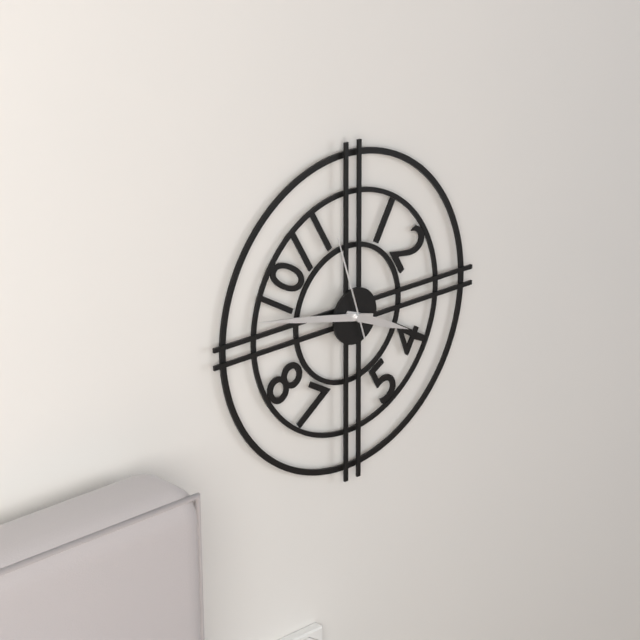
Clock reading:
**3:47:57**
